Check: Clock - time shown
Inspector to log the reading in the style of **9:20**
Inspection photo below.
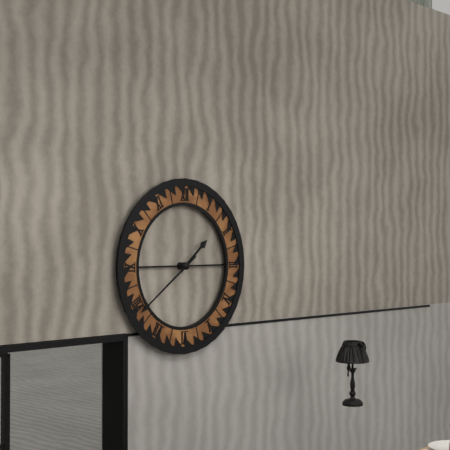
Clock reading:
**1:39**
